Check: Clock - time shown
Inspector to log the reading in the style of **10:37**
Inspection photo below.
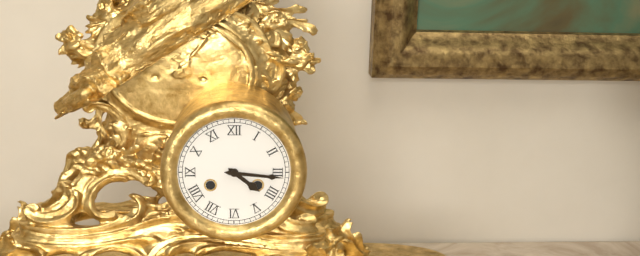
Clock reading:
**4:16**
